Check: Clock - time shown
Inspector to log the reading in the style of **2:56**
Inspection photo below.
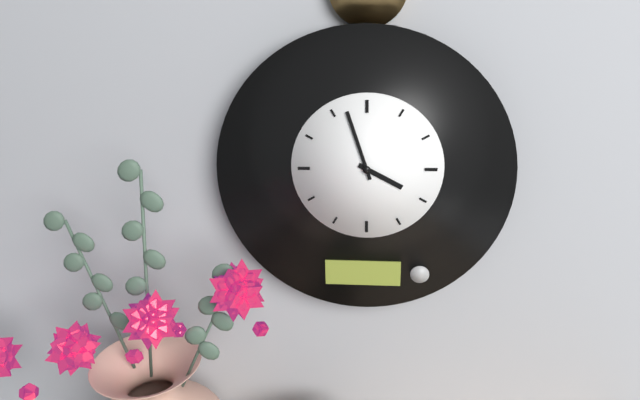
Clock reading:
**3:57**
